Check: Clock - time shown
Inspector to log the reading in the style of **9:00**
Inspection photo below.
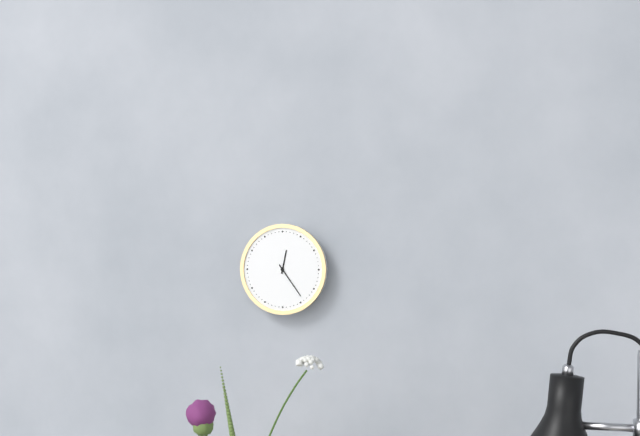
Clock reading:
**12:24**
